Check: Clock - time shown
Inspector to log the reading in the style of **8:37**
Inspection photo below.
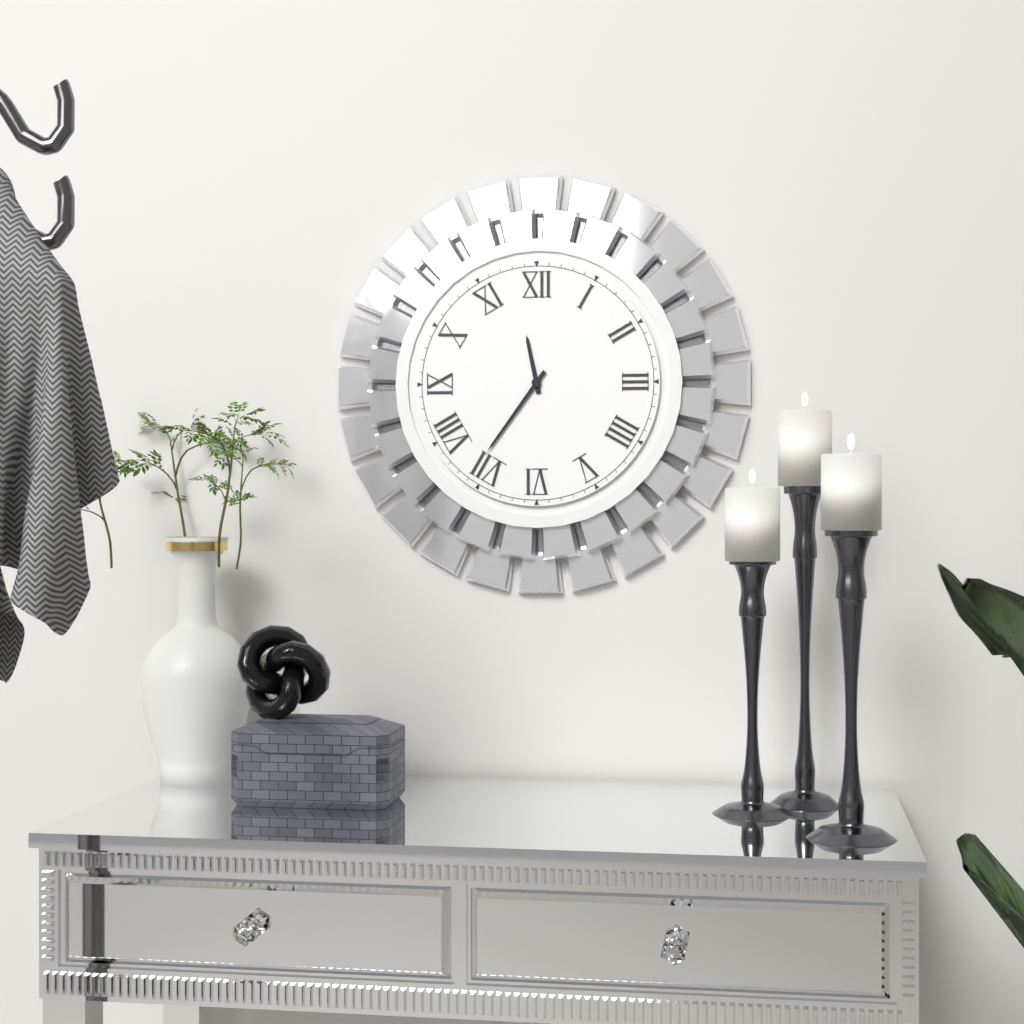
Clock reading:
**11:36**
